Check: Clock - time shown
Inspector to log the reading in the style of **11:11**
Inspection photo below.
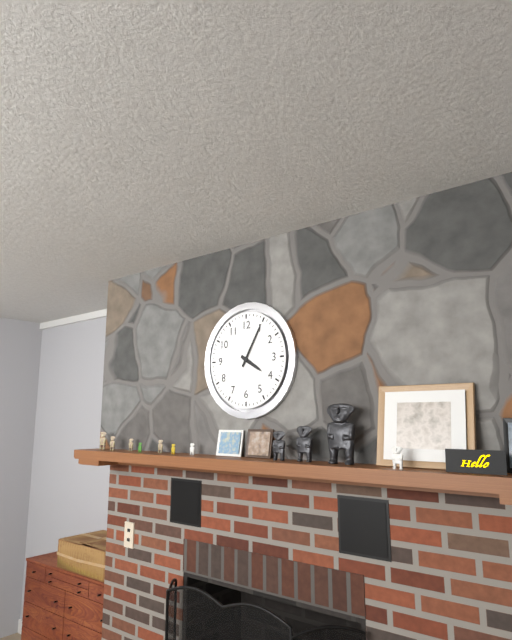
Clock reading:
**4:05**
